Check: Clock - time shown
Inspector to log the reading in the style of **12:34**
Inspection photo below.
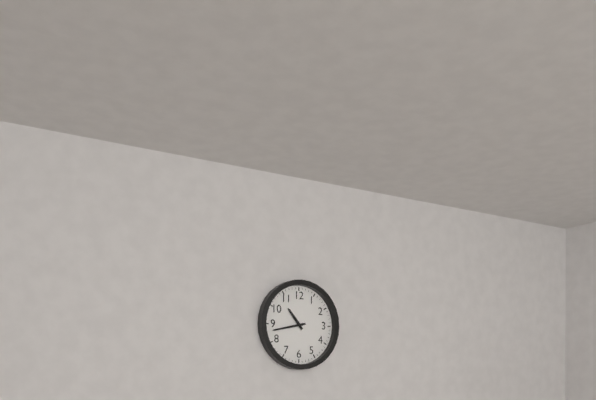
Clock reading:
**10:43**
